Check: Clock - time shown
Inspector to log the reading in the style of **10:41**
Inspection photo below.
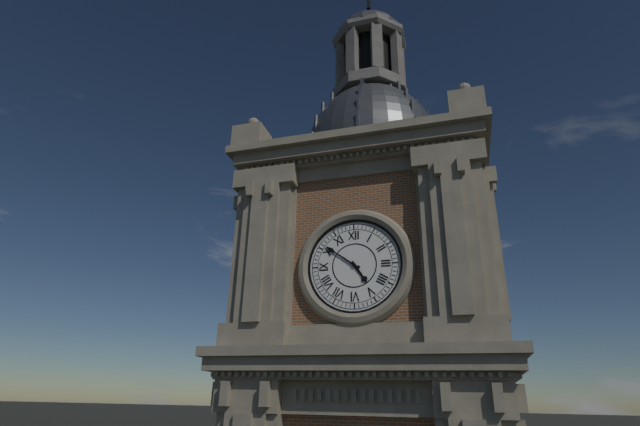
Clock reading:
**4:51**
